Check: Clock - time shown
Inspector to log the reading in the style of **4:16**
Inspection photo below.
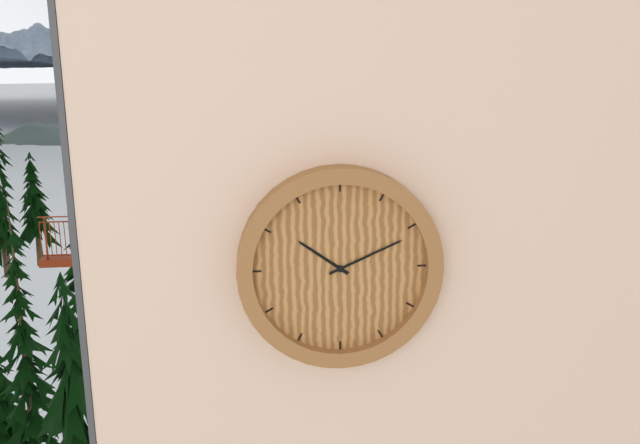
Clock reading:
**10:11**
